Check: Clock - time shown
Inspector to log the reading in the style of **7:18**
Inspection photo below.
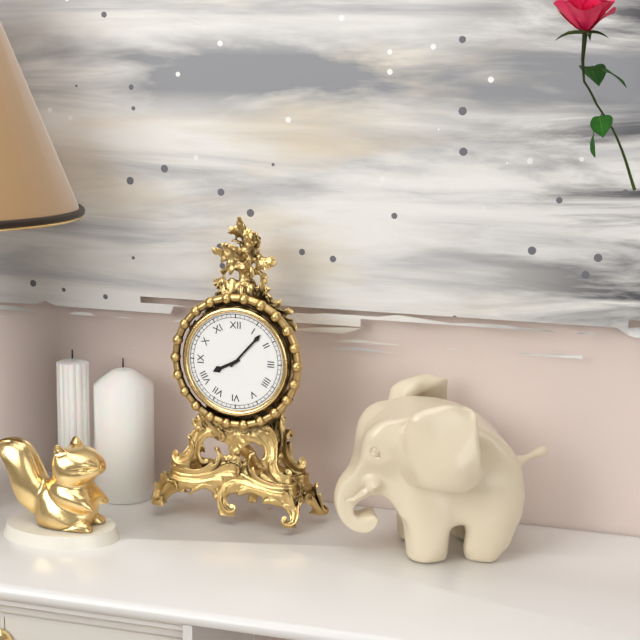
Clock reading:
**8:07**
